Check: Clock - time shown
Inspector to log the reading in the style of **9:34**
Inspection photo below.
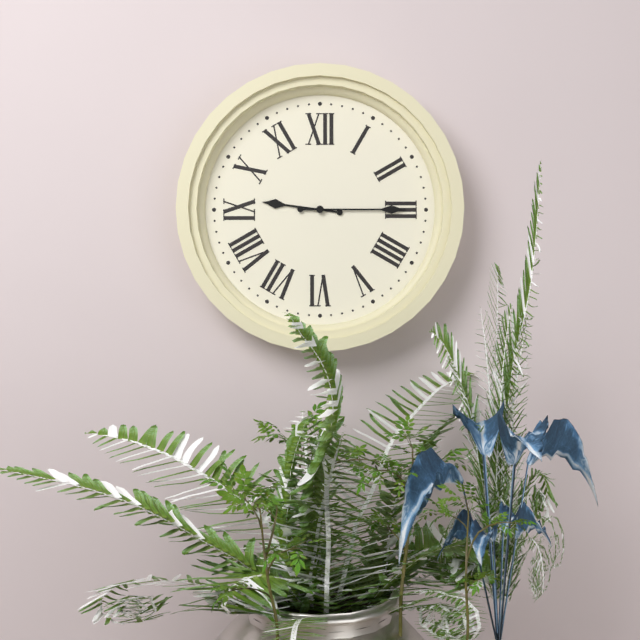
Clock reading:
**9:15**
